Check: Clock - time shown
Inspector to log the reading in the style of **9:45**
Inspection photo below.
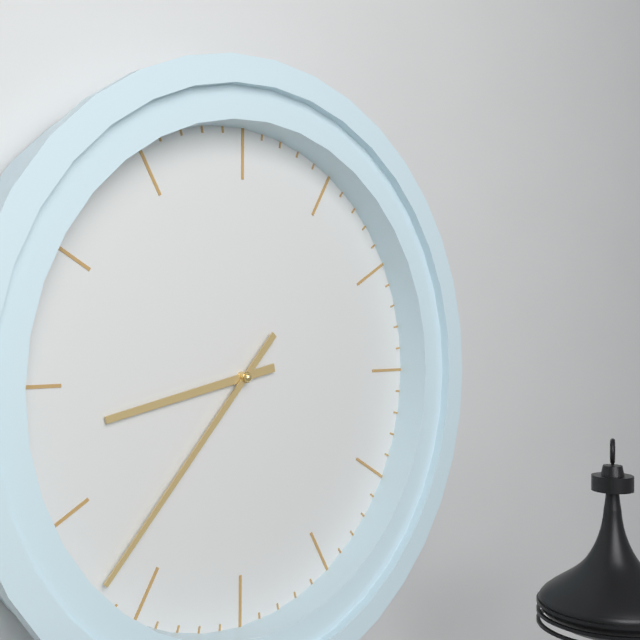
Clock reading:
**8:37**
